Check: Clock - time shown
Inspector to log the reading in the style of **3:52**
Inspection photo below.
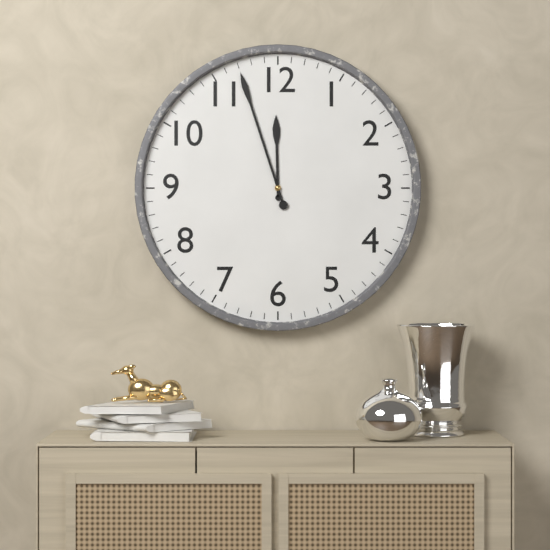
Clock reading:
**11:57**
